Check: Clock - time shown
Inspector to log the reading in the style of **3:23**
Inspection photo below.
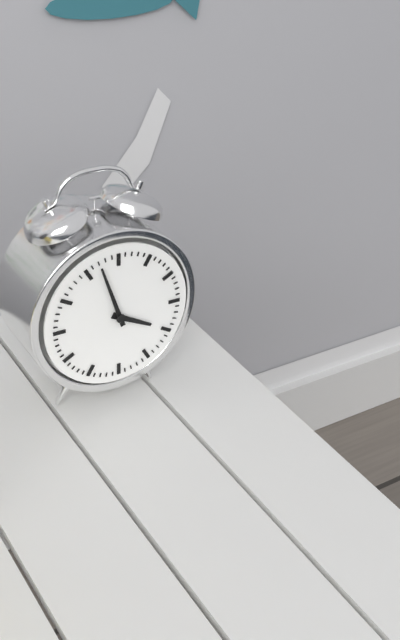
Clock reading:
**3:57**
